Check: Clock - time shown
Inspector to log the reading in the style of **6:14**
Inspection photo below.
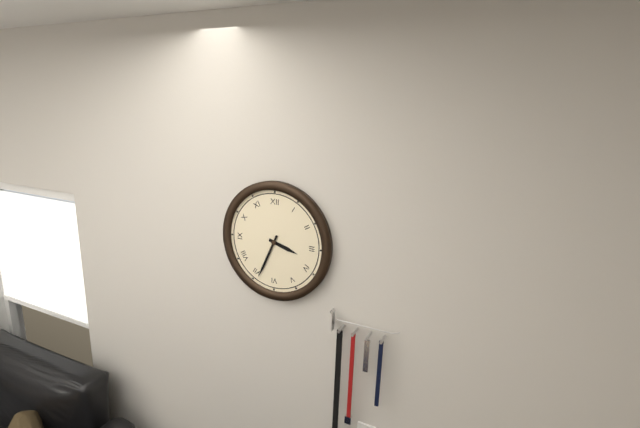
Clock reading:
**3:34**
